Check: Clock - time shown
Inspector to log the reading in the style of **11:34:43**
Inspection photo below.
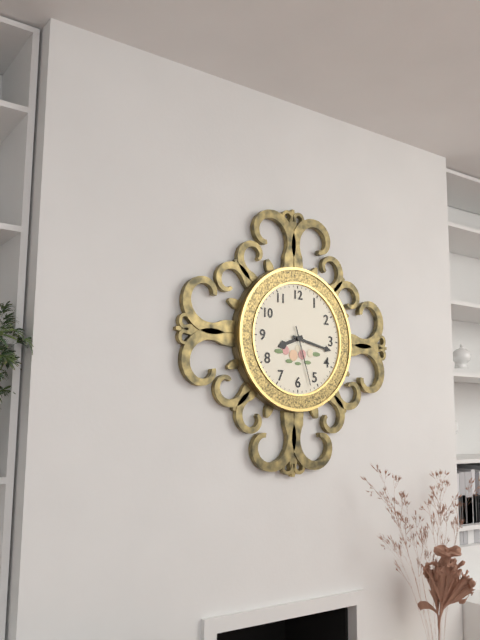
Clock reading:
**8:17:27**
